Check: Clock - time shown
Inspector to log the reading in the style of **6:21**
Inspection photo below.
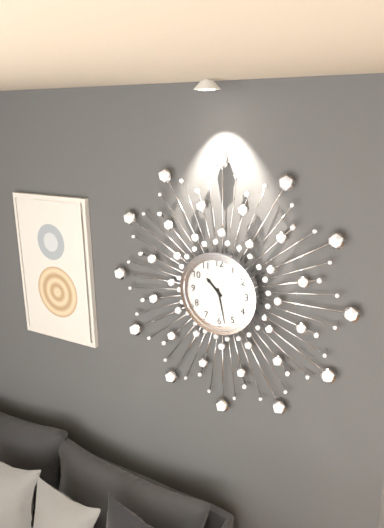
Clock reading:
**10:28**
